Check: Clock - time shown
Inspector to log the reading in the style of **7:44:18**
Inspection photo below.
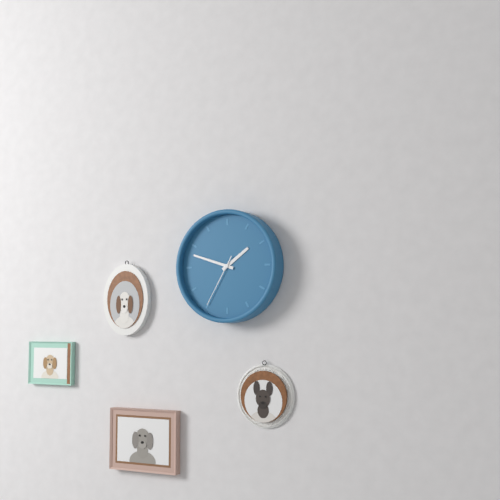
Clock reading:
**1:48:35**
